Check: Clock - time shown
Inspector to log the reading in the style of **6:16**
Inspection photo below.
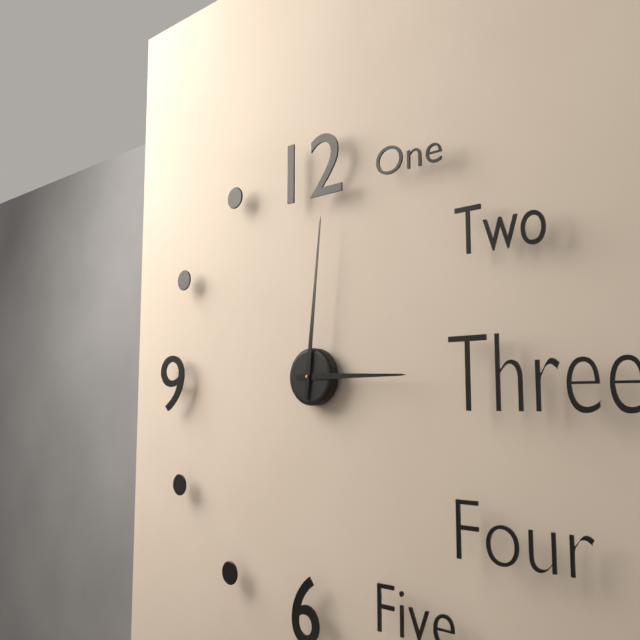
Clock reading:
**3:01**
